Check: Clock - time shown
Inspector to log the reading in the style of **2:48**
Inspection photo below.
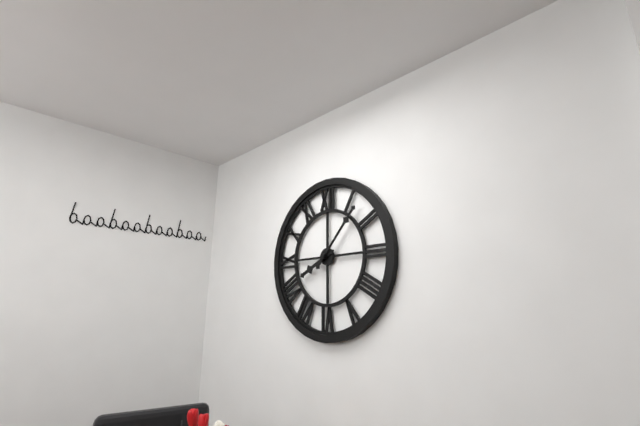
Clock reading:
**8:07**
